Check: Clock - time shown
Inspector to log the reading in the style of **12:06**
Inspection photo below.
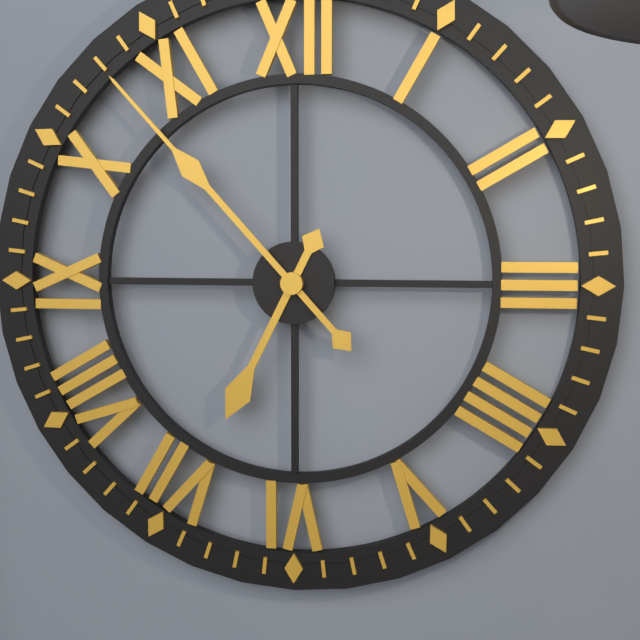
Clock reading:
**6:53**
